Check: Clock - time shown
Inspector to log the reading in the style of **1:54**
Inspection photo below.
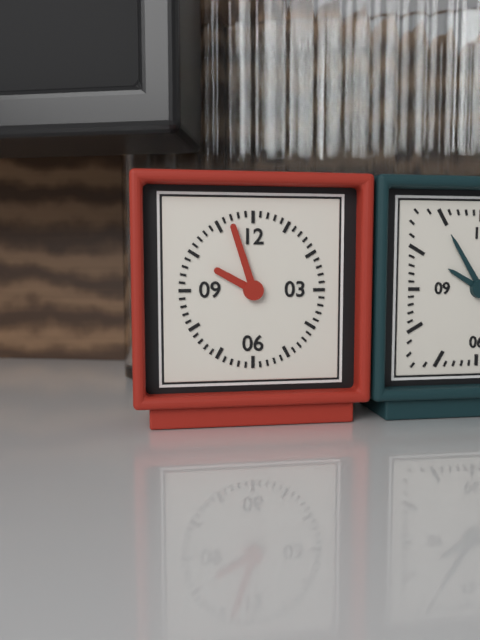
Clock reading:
**9:57**
